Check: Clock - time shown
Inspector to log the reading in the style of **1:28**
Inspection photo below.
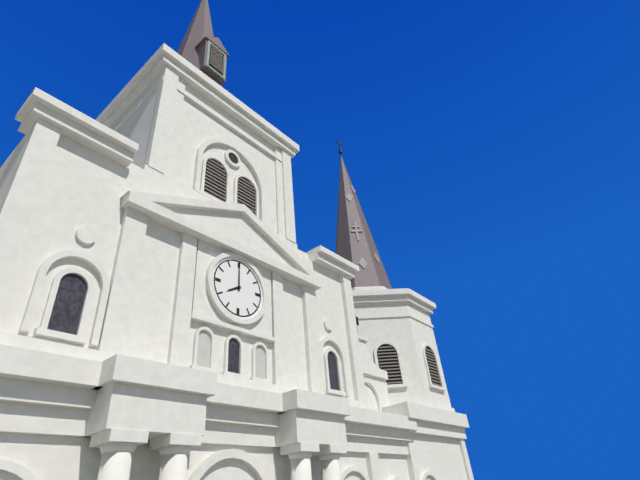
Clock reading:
**8:00**
